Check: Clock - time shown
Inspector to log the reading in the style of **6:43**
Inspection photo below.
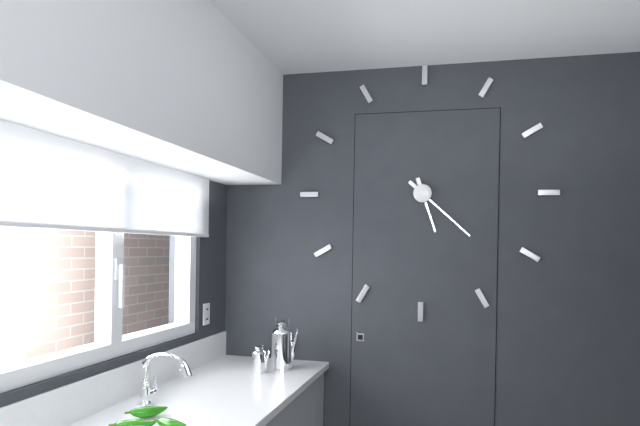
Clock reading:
**5:22**
